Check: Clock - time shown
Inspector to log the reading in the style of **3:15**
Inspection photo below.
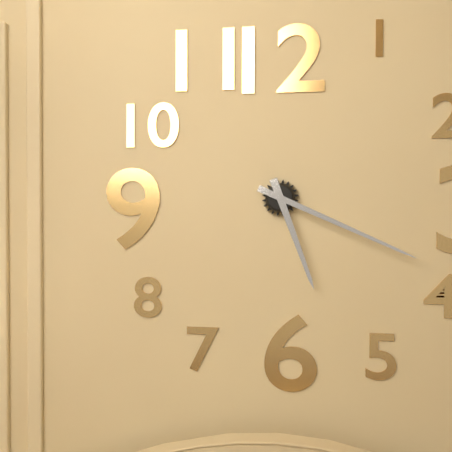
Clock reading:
**5:19**
